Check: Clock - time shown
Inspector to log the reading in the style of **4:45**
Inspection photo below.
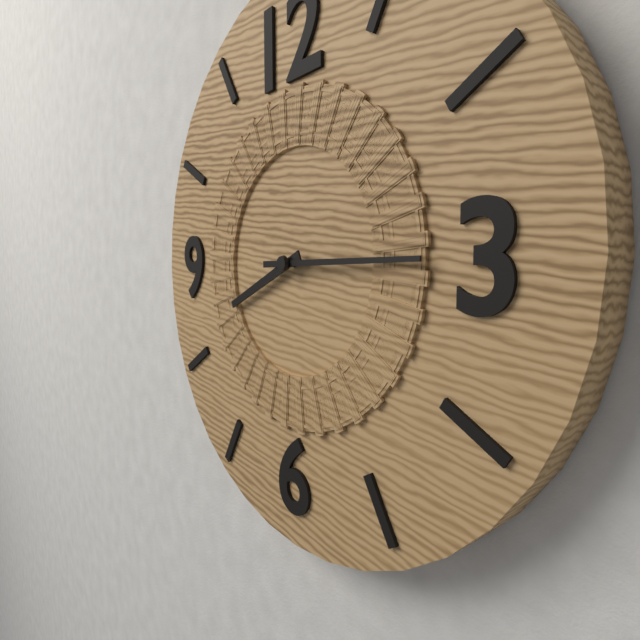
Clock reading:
**8:15**
